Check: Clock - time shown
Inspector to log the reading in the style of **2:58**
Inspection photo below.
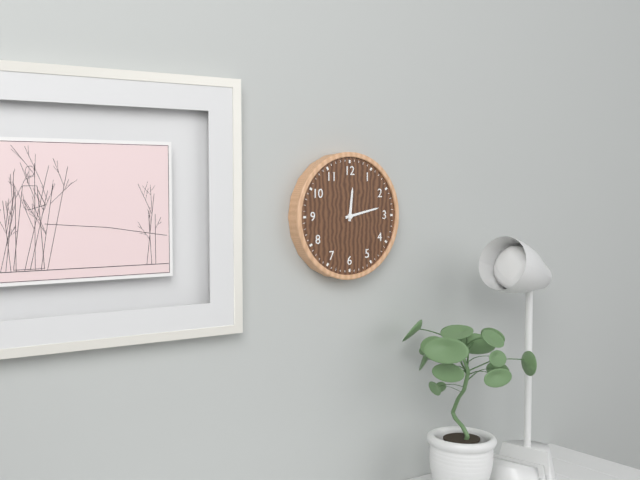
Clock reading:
**12:13**
